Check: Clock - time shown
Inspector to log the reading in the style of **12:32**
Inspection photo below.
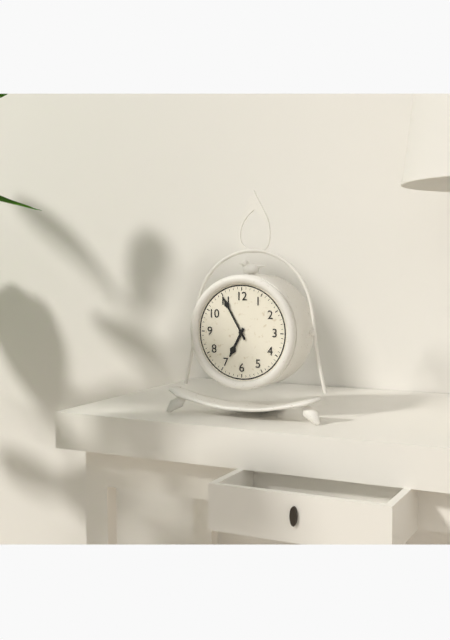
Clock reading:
**6:55**
